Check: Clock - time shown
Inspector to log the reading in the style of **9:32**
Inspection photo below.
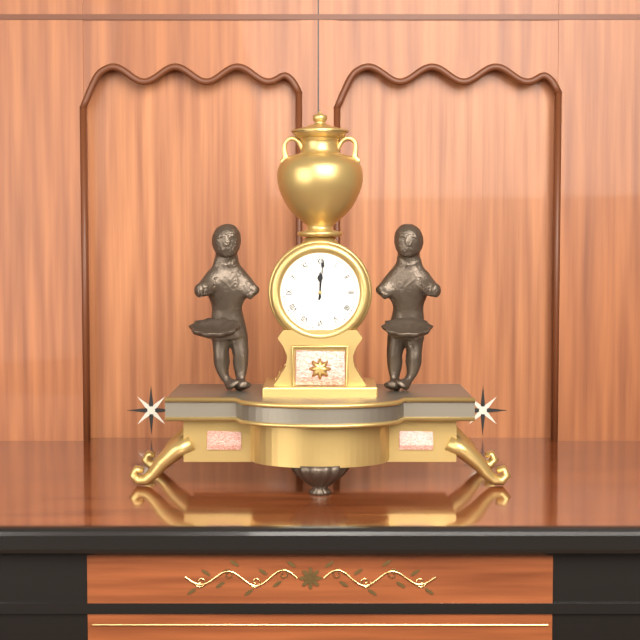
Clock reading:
**12:01**
